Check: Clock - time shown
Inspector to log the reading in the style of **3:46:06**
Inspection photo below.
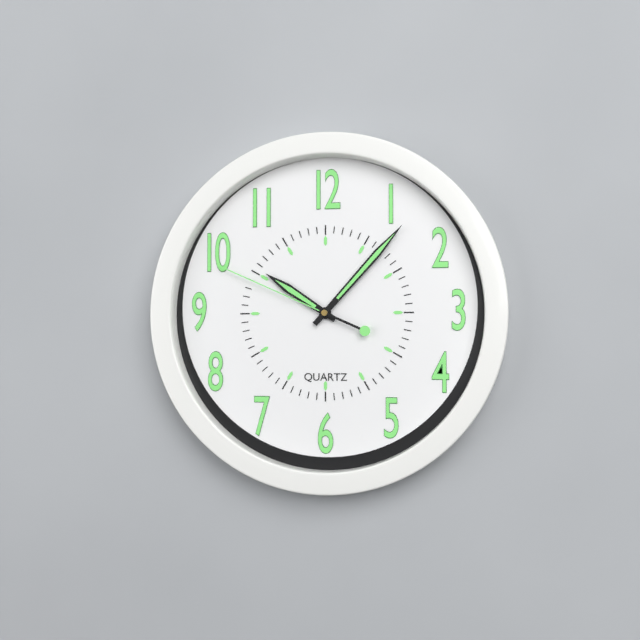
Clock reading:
**10:07:49**
